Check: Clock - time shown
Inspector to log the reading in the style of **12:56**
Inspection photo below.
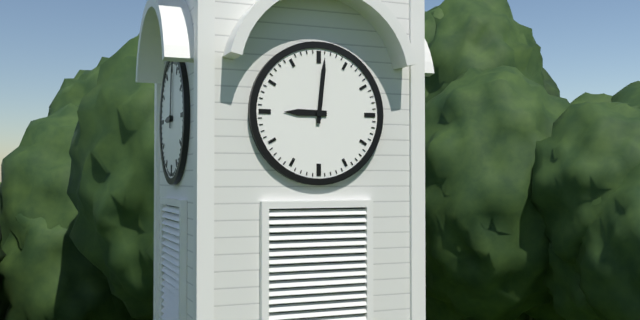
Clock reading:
**9:01**
